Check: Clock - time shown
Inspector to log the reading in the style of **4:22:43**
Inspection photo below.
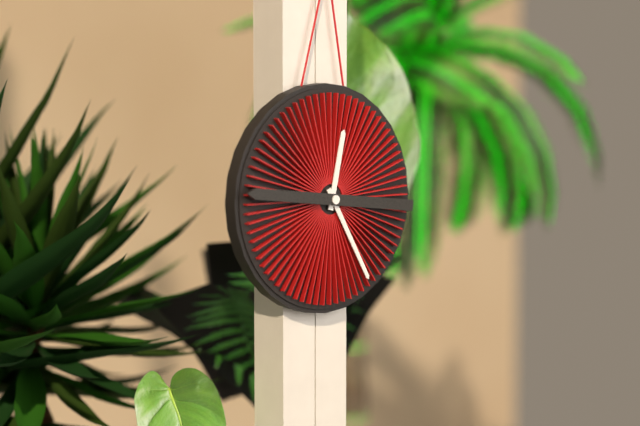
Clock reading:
**12:25:46**
